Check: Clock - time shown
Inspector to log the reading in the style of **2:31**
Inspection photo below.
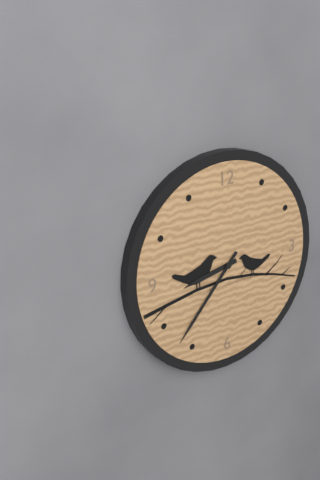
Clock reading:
**8:37**
